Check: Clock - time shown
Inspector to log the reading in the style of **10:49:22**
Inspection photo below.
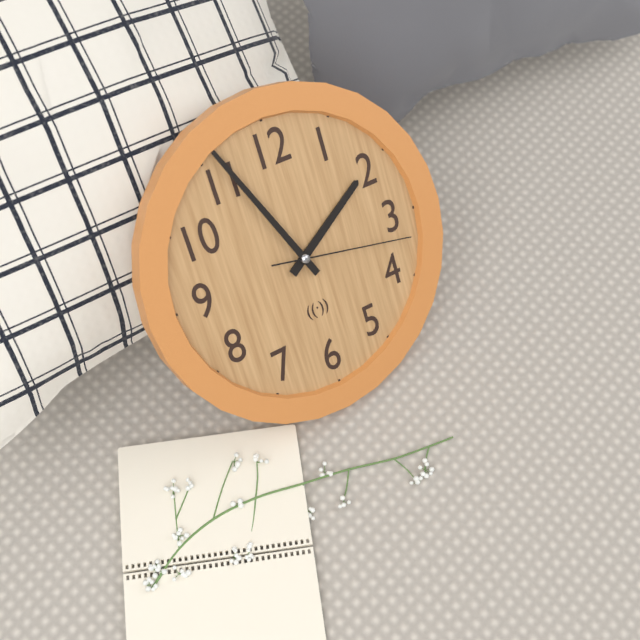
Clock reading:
**1:56:17**
